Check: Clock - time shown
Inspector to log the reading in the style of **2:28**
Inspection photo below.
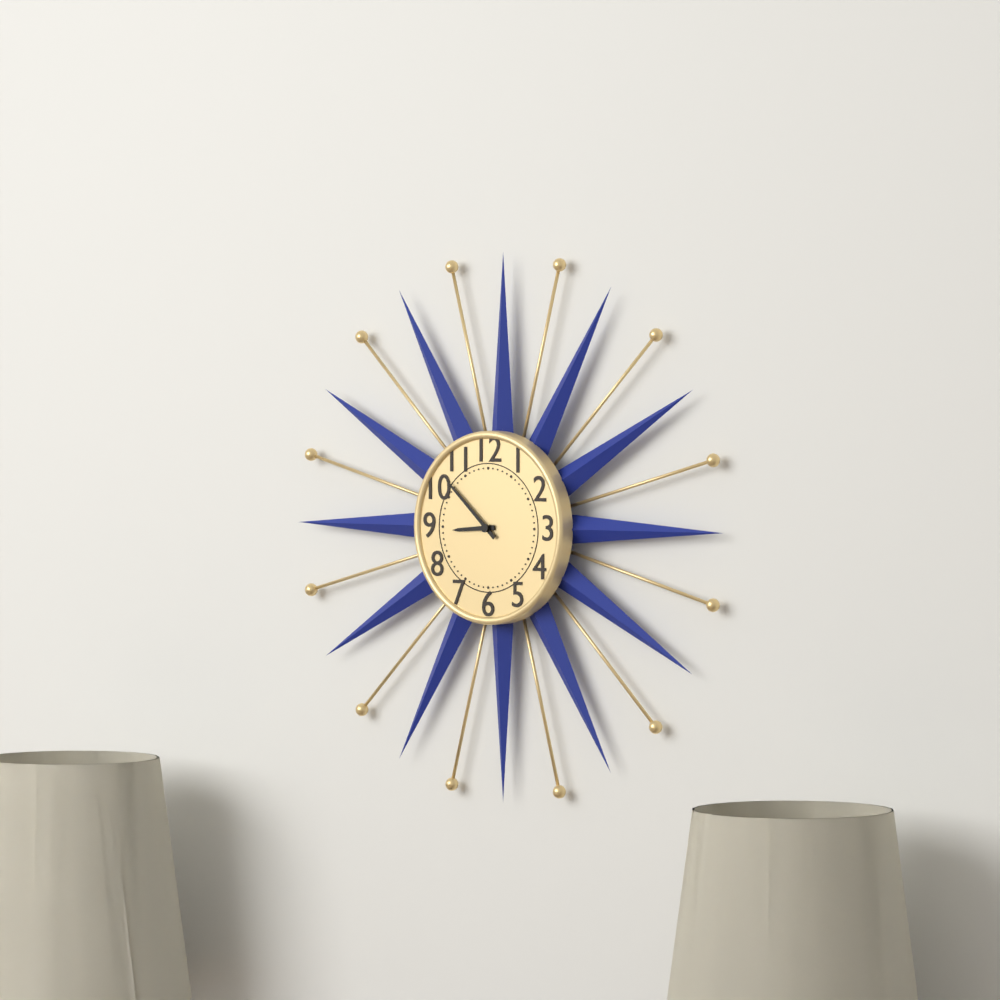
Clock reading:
**8:52**
